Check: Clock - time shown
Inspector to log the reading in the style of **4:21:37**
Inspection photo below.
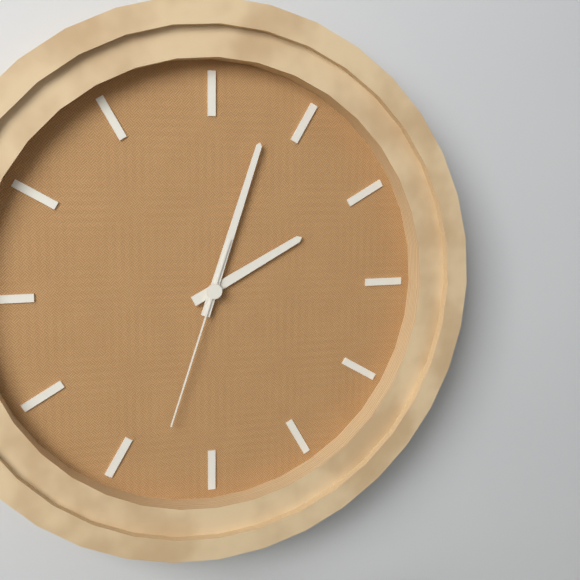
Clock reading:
**2:03:33**
